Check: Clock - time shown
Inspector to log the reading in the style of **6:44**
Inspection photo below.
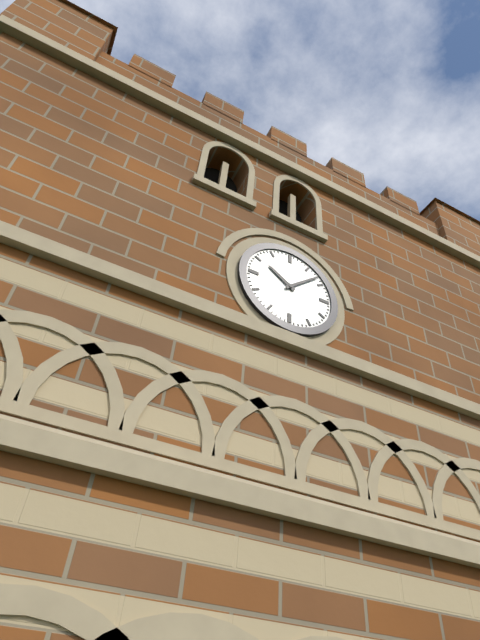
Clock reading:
**10:08**
